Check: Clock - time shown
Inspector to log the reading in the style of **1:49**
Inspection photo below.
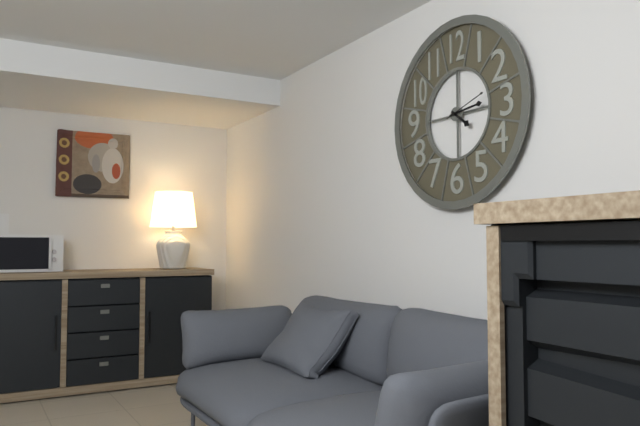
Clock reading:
**4:14**
